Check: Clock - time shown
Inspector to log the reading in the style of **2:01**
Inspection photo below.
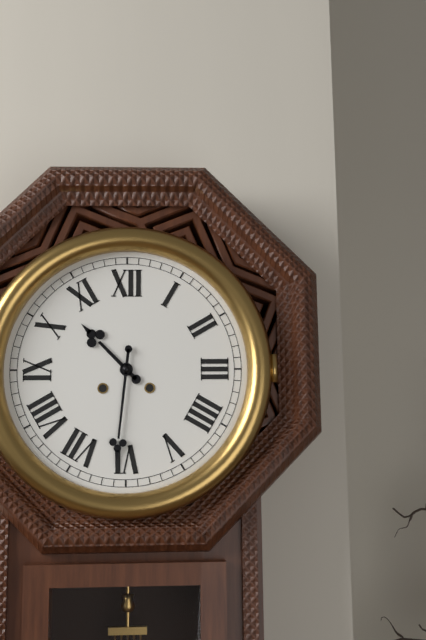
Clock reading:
**10:31**
